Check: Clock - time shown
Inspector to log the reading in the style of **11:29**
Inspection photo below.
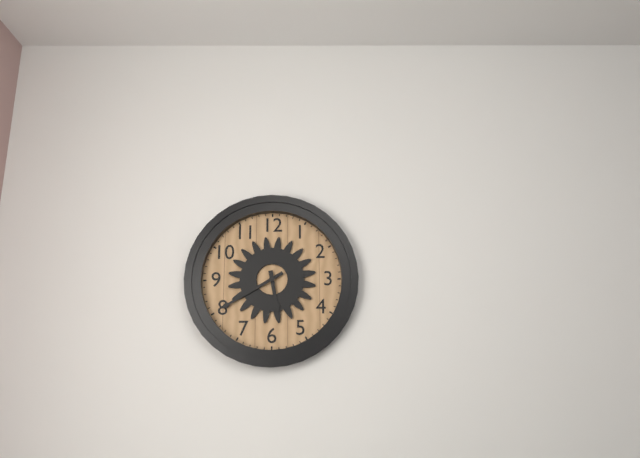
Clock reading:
**5:40**
